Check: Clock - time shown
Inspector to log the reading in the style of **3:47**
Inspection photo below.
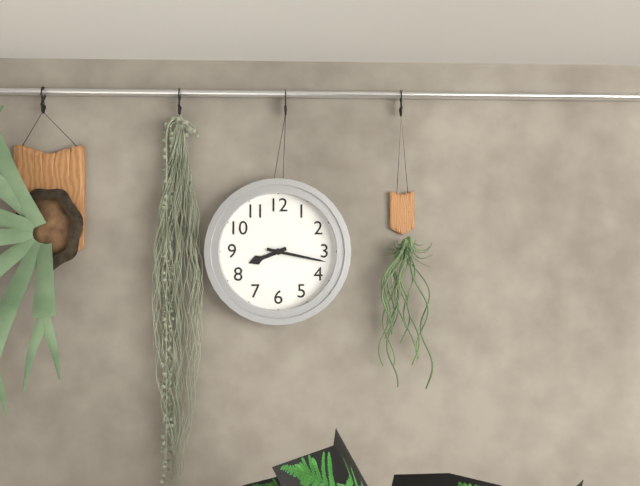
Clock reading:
**8:17**
